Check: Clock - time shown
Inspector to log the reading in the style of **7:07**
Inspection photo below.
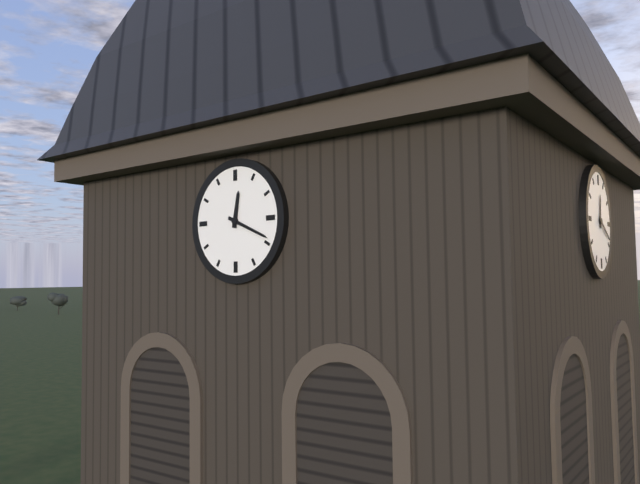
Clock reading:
**12:19**
